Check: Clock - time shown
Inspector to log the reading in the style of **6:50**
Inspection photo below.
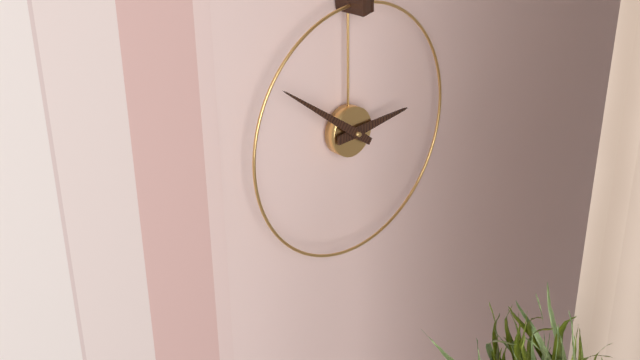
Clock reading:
**2:51**
